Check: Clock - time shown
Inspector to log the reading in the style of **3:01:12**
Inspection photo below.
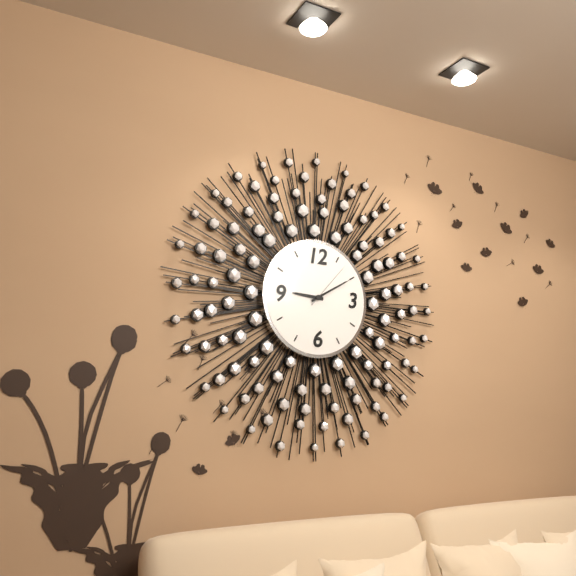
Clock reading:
**9:10:07**
